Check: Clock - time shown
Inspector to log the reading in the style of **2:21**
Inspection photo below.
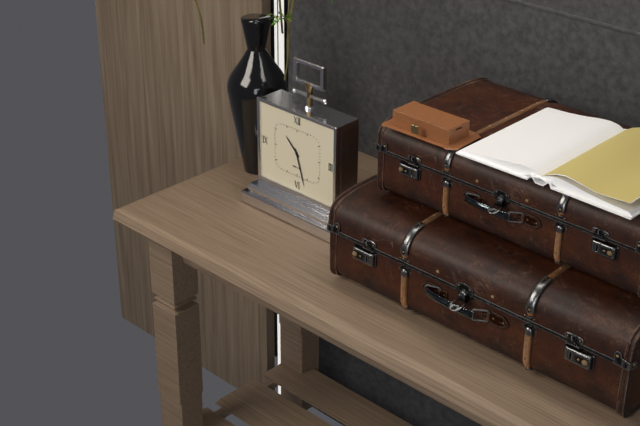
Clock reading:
**10:27**
